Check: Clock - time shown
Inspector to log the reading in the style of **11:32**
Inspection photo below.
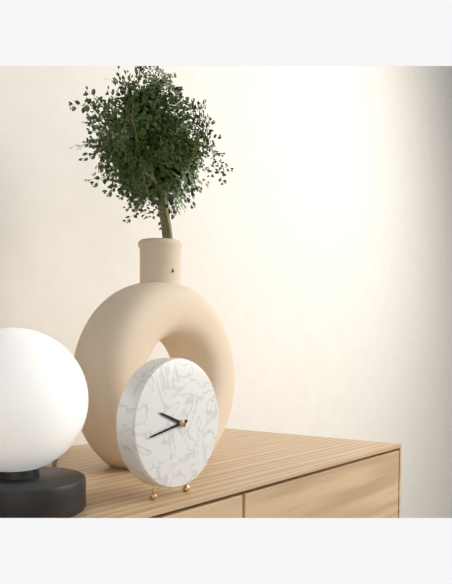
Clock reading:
**9:43**
